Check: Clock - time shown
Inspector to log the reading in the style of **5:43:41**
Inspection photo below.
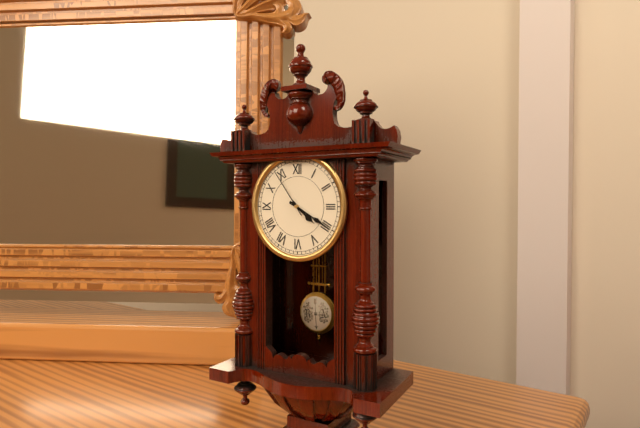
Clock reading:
**4:20:54**
